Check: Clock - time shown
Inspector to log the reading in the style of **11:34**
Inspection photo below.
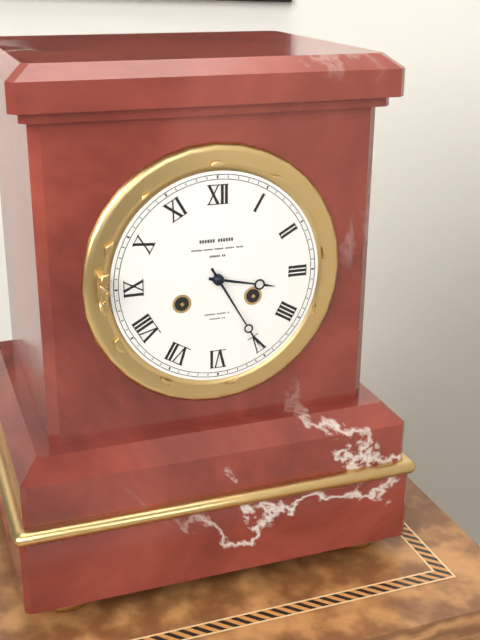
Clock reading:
**3:25**
